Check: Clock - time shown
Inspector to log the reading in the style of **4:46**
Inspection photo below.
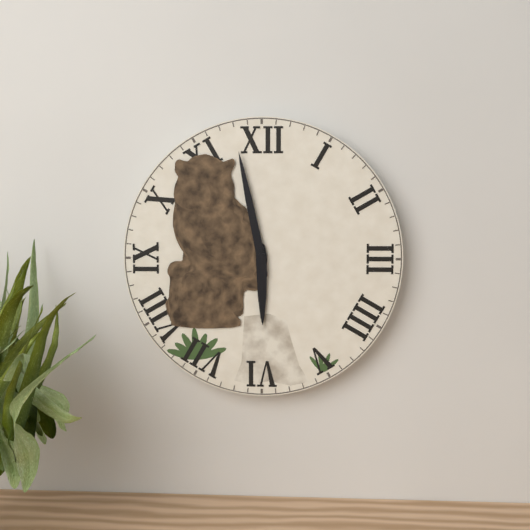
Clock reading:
**5:58**
